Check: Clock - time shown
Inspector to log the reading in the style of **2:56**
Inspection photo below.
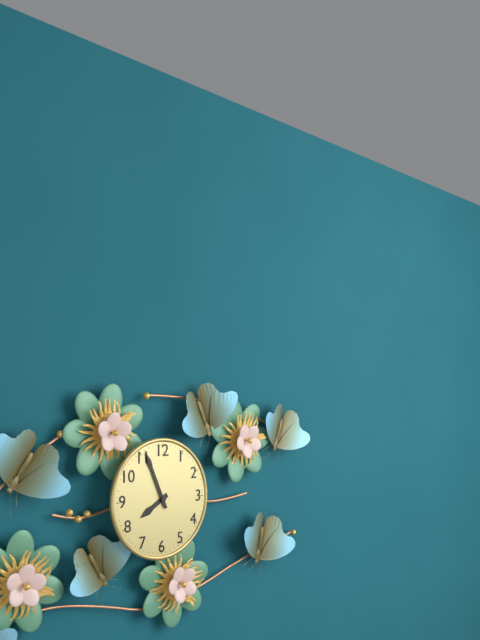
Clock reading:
**7:56**
